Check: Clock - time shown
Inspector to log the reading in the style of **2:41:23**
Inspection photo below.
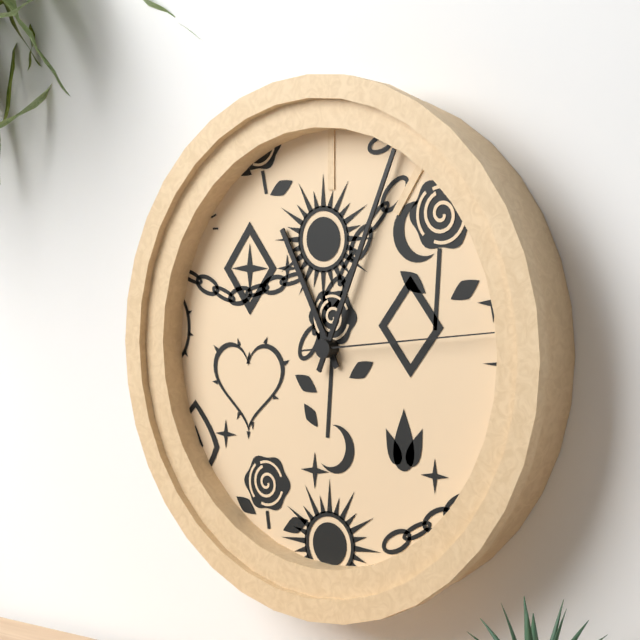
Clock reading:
**11:04:14**
